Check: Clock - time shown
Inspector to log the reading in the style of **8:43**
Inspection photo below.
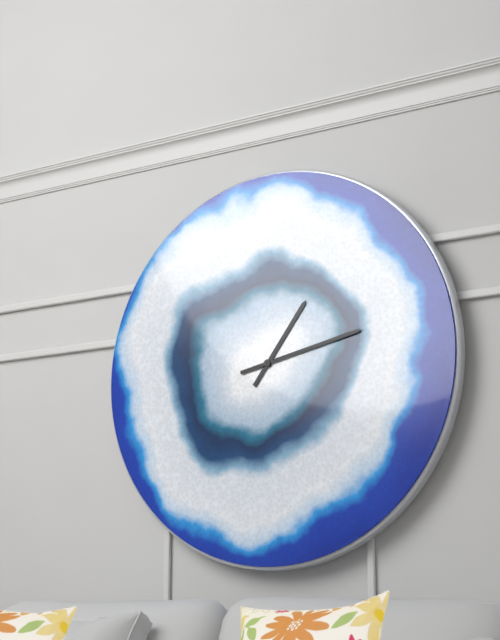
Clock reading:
**1:13**
